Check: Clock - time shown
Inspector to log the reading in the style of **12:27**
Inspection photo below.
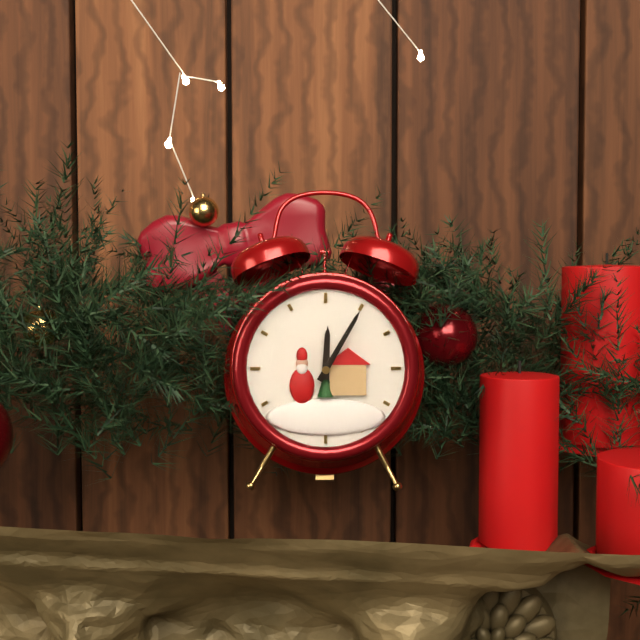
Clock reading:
**12:05**
